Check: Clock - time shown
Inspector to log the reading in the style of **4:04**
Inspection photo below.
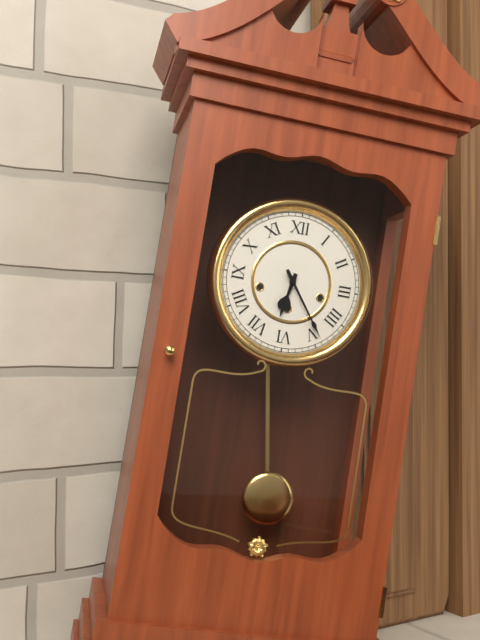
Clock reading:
**6:24**
